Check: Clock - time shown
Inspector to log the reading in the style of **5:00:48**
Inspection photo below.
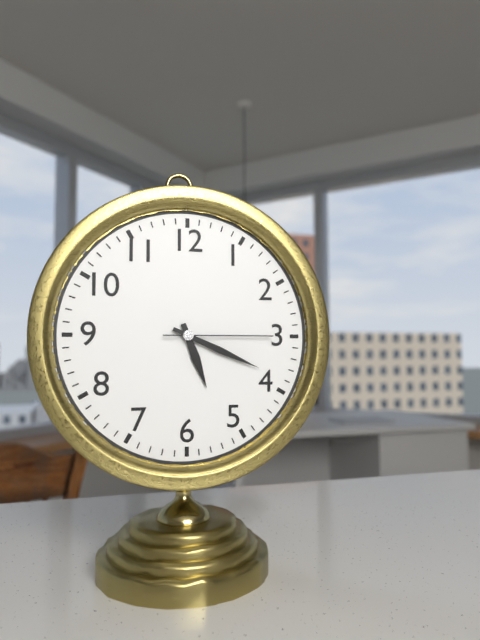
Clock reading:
**5:19:15**
